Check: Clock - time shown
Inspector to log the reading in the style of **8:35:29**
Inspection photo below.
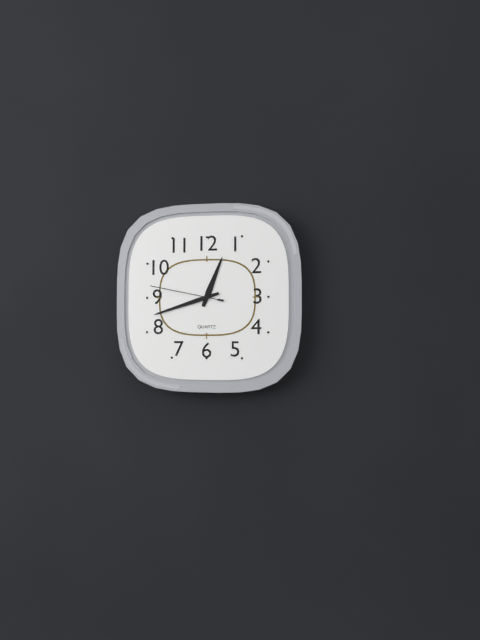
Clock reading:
**12:42:47**
